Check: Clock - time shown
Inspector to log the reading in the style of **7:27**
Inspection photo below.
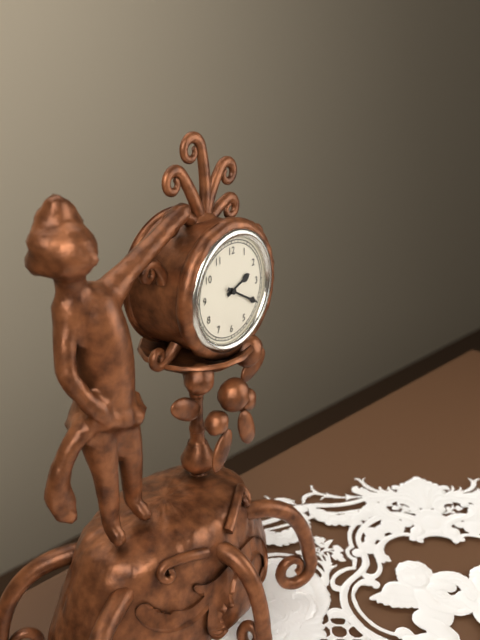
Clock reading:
**2:20**
